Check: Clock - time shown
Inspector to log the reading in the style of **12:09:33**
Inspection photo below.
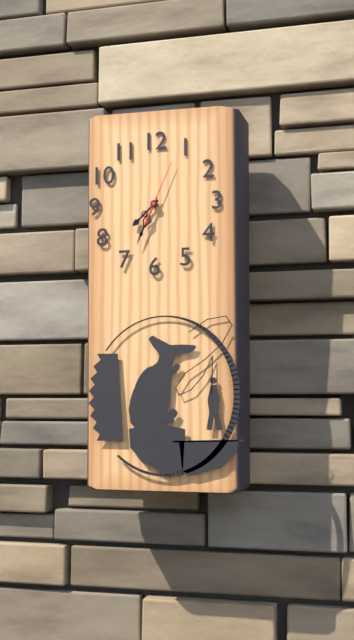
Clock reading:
**7:34:04**
